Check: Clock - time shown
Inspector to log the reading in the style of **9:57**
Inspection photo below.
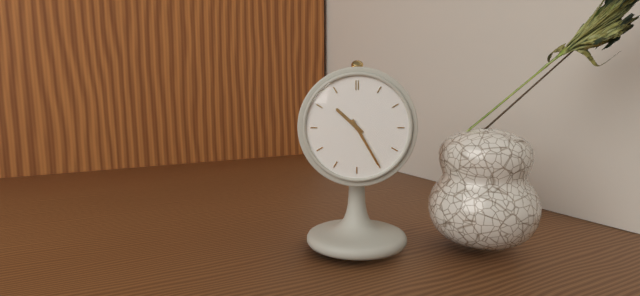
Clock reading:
**10:25**
